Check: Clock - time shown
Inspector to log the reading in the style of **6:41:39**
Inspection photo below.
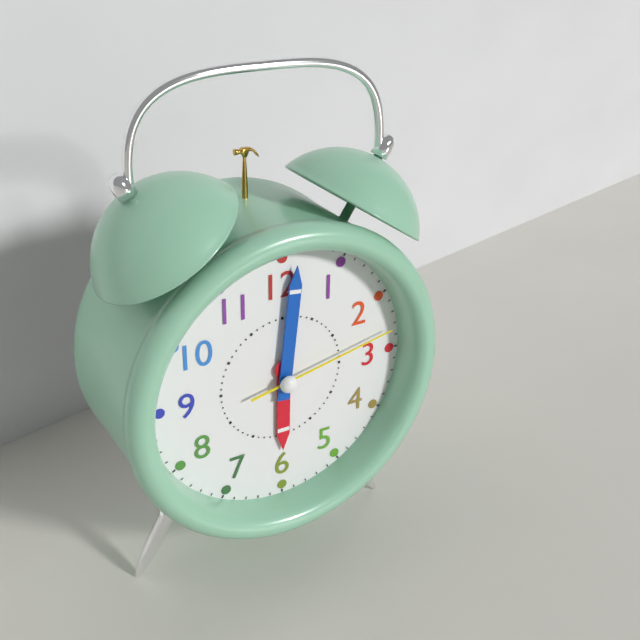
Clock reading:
**6:01:13**
